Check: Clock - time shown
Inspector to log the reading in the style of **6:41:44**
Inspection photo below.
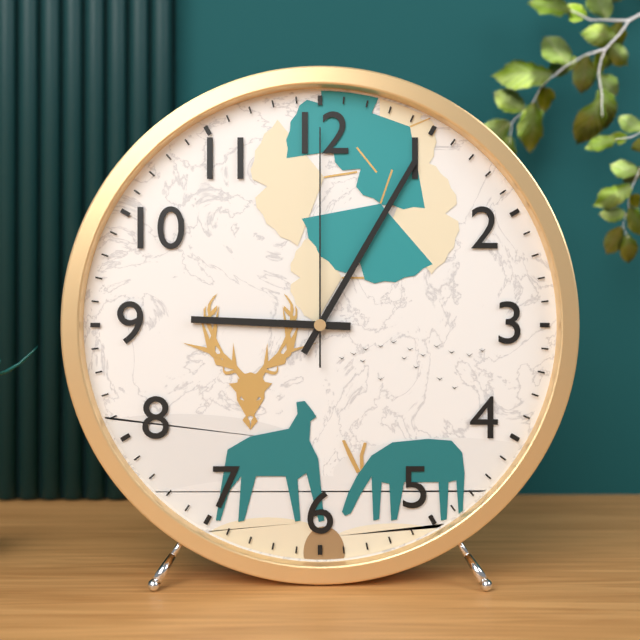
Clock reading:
**9:05:00**
